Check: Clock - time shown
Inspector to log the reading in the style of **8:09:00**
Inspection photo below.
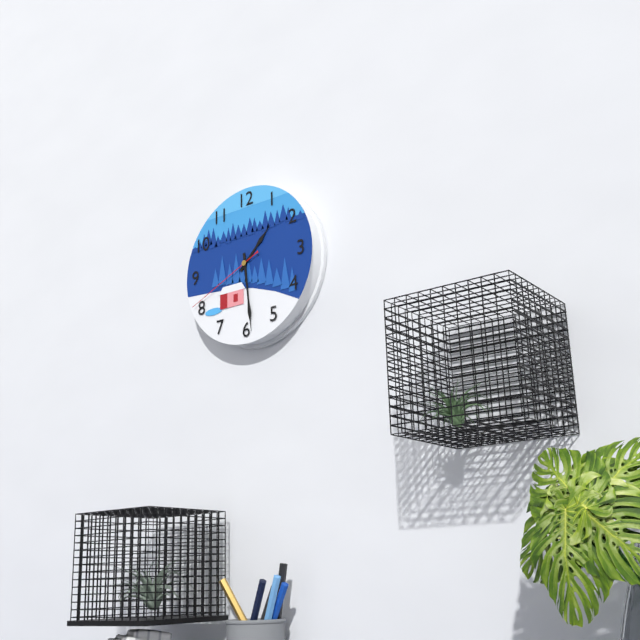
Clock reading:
**1:29:41**
